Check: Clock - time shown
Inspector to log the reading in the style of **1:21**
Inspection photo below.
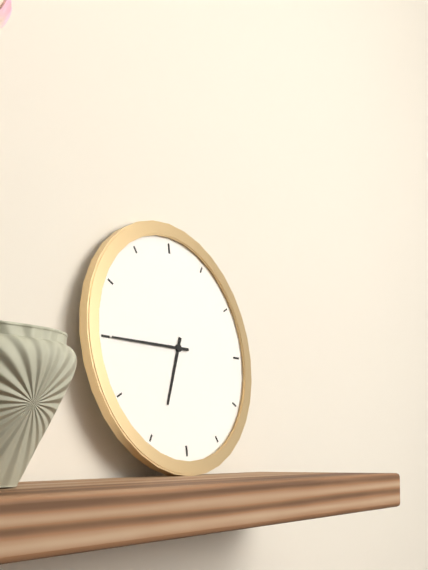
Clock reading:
**6:45**
